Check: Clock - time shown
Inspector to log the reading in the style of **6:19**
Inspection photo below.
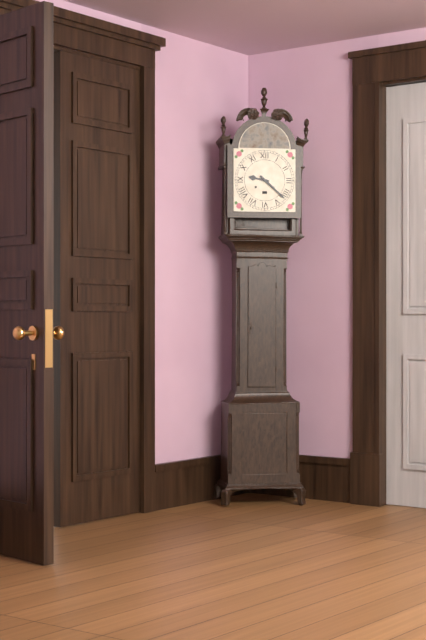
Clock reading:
**9:22**
